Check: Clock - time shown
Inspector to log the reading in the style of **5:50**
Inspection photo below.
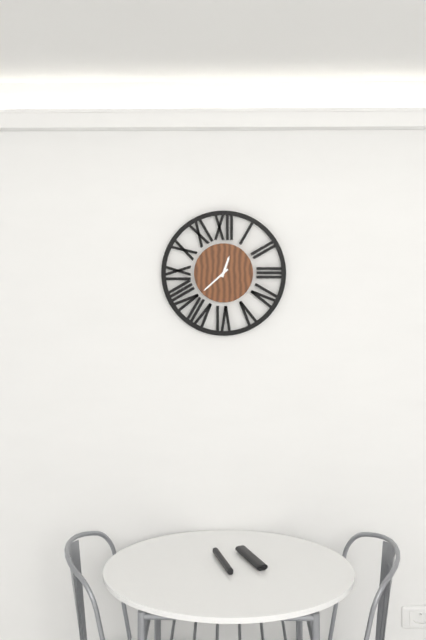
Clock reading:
**12:38**
